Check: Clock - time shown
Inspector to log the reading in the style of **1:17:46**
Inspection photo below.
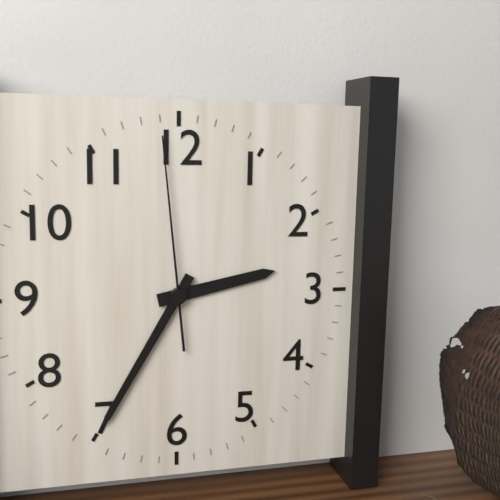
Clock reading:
**2:35:59**
